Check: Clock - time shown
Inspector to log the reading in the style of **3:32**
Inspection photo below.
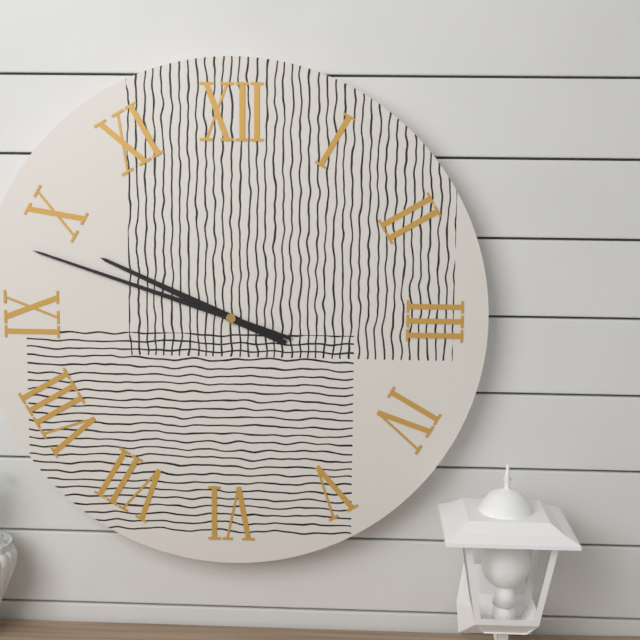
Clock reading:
**9:48**
